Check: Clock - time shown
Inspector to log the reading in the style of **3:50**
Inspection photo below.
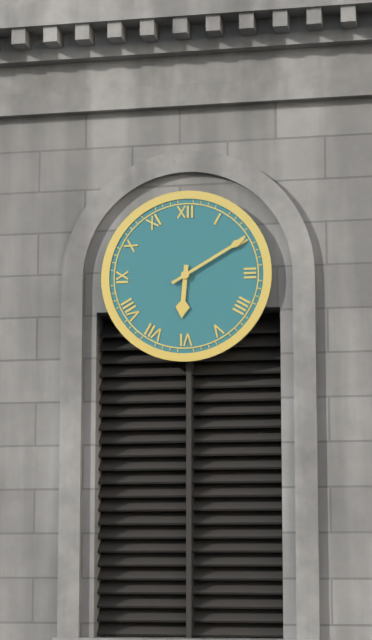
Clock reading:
**6:10**
